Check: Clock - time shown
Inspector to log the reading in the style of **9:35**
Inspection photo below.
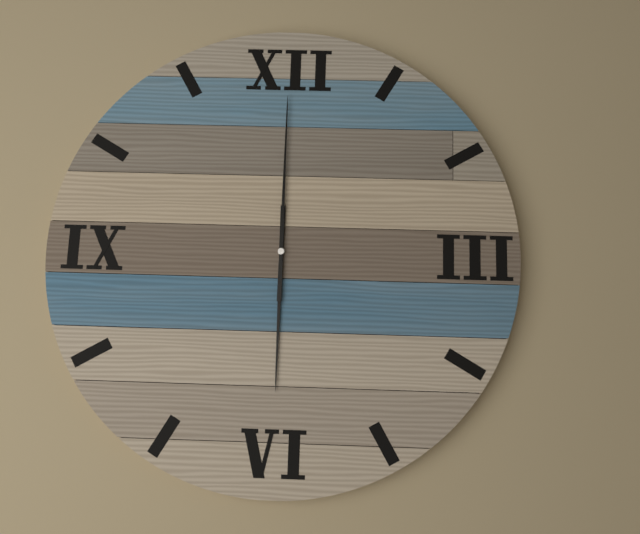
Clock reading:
**6:00**
